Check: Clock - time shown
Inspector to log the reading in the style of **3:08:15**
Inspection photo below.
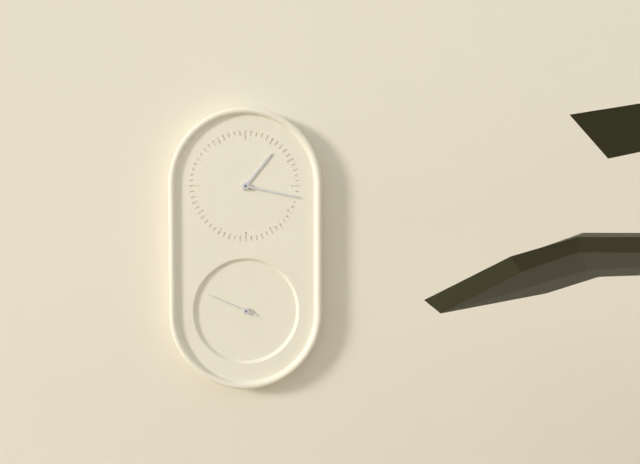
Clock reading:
**1:17:49**
